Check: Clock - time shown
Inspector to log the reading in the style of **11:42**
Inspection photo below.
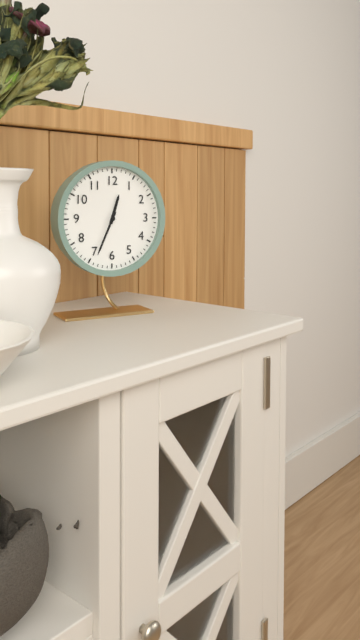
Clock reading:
**12:34**
